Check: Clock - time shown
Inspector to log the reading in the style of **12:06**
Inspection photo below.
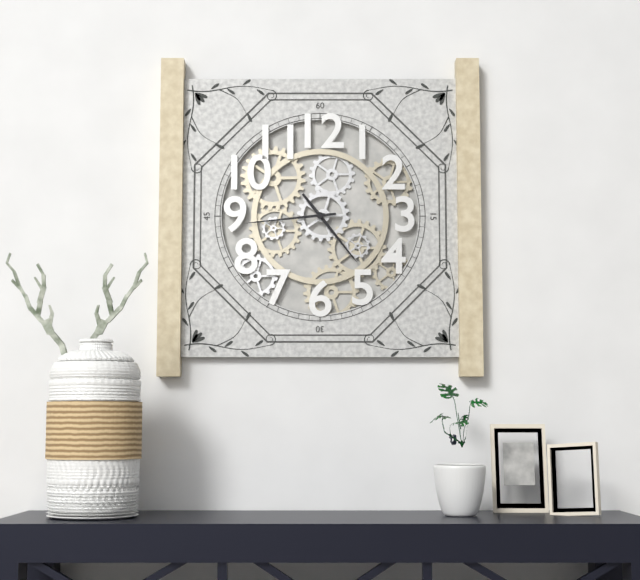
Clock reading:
**4:44**
